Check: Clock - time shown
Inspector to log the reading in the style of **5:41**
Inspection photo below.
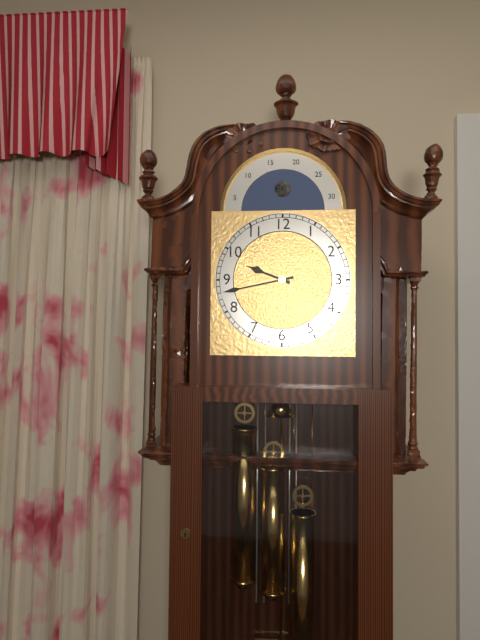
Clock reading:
**9:43**
